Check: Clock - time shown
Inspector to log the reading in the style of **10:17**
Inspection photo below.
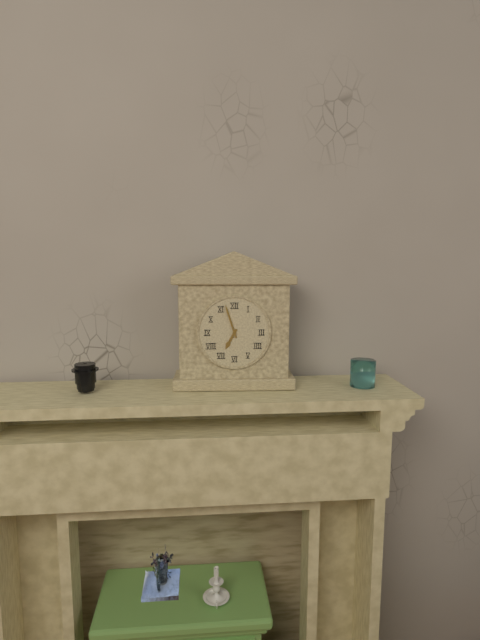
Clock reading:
**6:57**
